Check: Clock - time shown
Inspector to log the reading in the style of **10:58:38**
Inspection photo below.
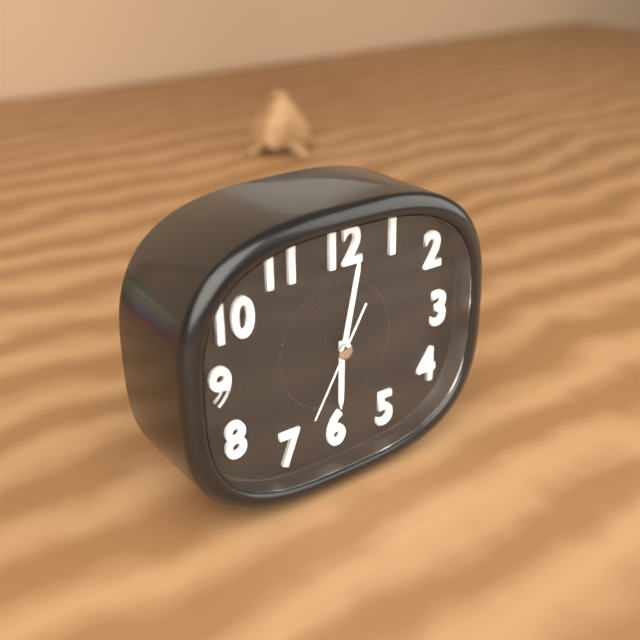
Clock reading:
**6:02:35**
